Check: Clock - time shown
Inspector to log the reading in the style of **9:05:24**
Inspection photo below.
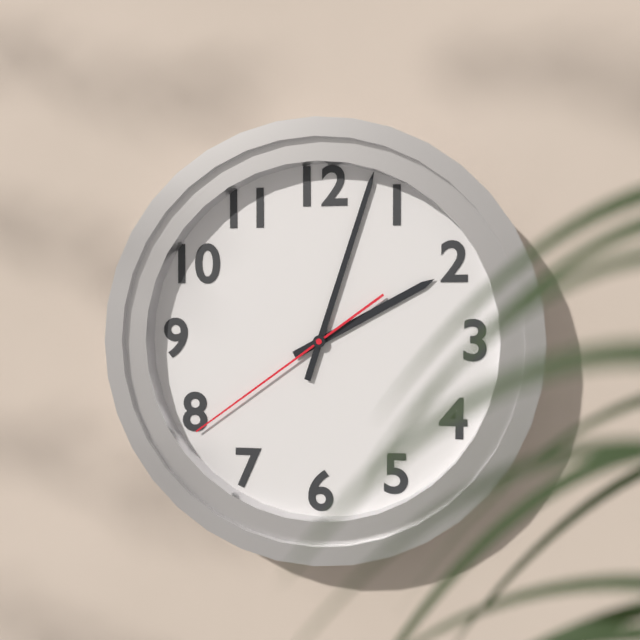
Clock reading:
**2:03:39**
